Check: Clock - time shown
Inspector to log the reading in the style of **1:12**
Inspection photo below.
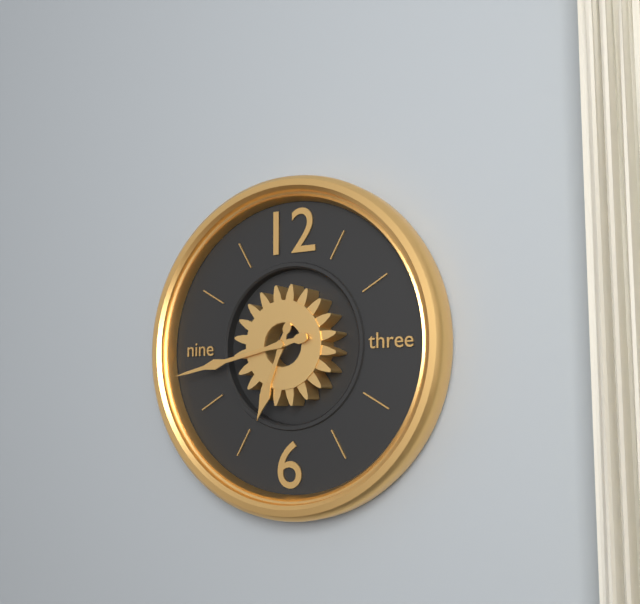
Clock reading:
**6:43**
